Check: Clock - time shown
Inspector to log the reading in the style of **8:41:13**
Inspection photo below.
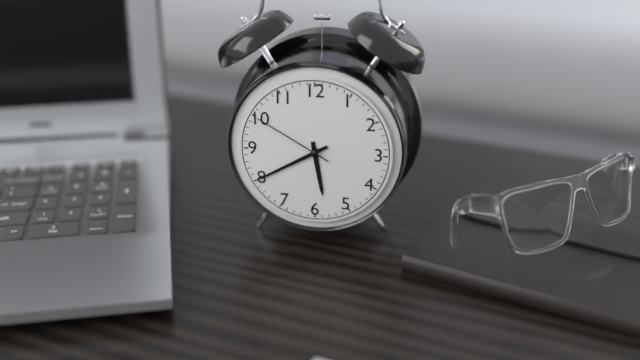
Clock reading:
**5:40:50**
